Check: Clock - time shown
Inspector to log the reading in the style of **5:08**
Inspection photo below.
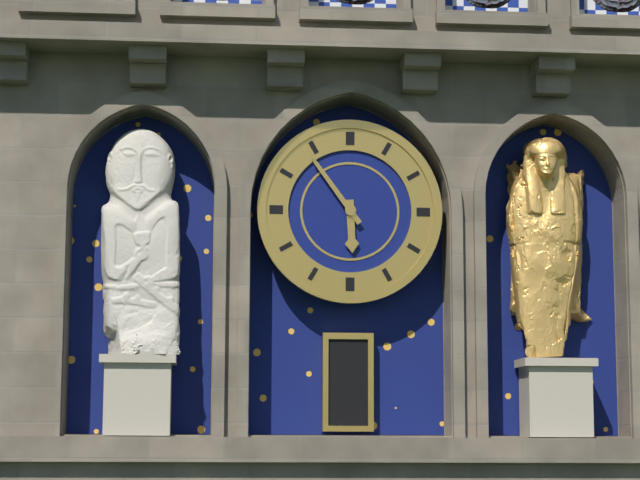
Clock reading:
**5:54**
